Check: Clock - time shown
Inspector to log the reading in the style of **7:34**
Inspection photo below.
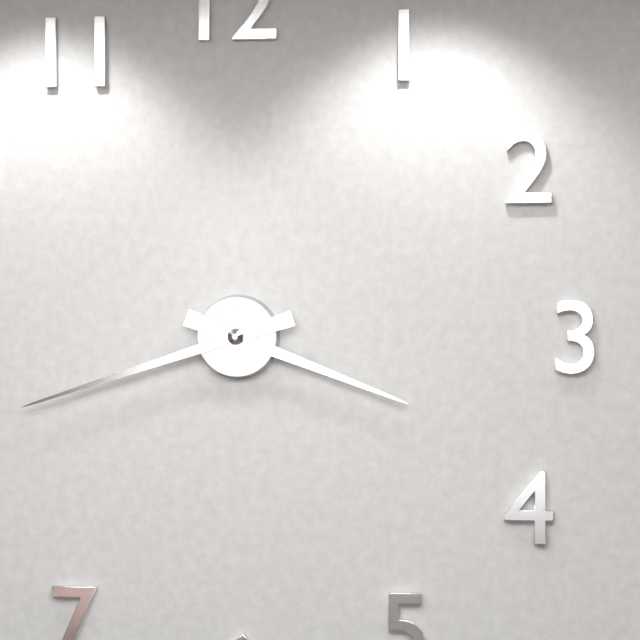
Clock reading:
**3:42**
